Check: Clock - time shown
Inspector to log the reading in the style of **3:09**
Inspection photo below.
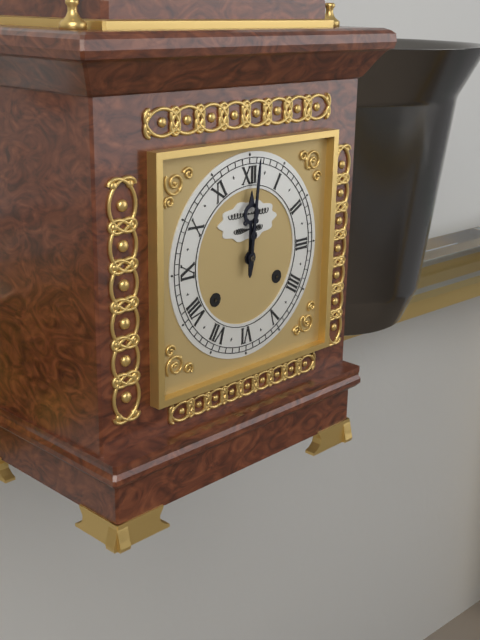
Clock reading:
**12:01**
